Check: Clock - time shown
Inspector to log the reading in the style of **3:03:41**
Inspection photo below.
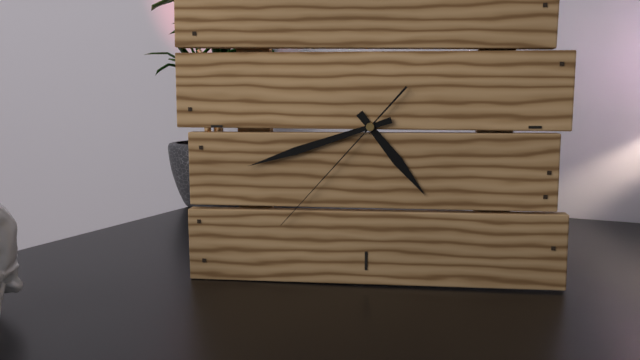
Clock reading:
**4:42:37**
